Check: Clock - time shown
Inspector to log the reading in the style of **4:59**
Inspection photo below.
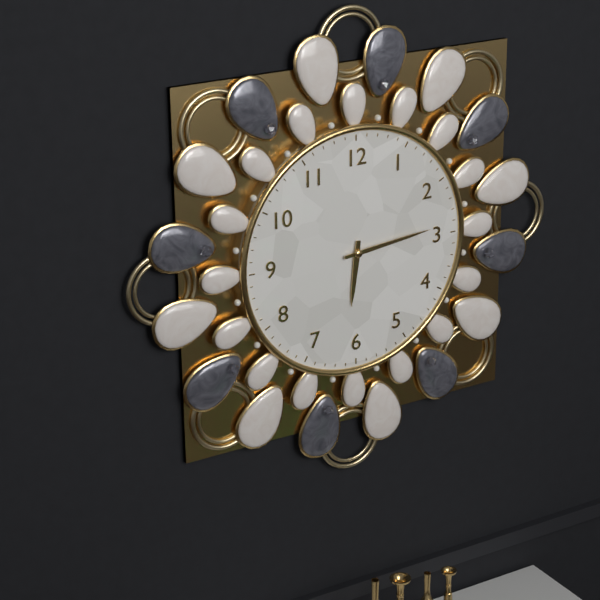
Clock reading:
**6:14**
